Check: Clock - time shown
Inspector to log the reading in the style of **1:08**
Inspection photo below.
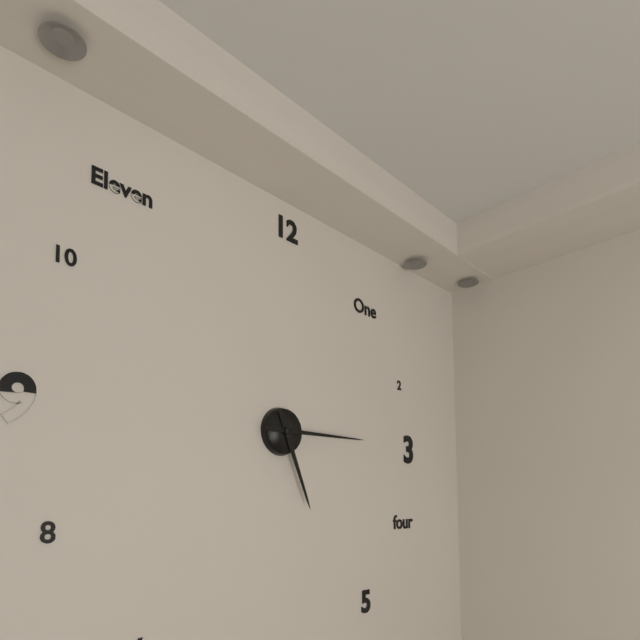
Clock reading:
**5:15**
